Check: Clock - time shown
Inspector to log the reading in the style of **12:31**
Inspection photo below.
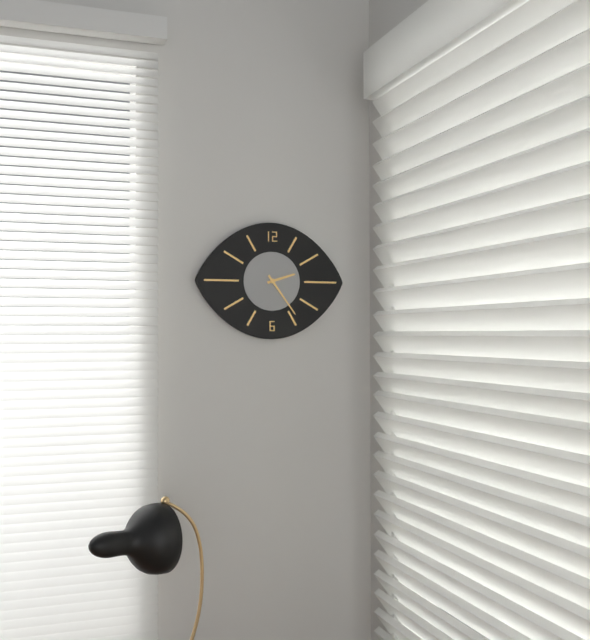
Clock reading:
**2:24**
